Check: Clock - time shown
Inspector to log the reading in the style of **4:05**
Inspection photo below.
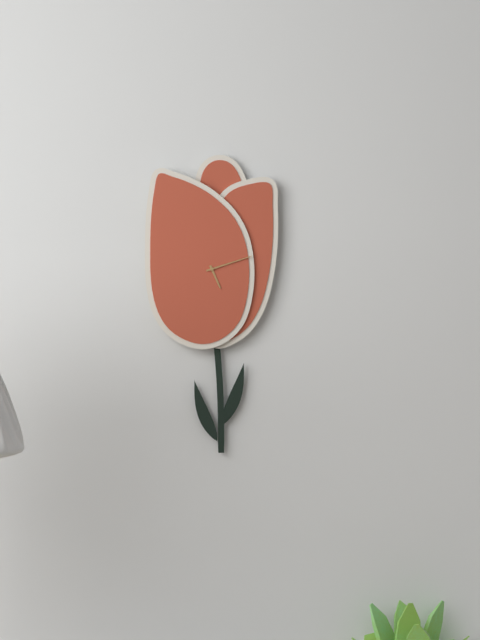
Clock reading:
**5:12**
